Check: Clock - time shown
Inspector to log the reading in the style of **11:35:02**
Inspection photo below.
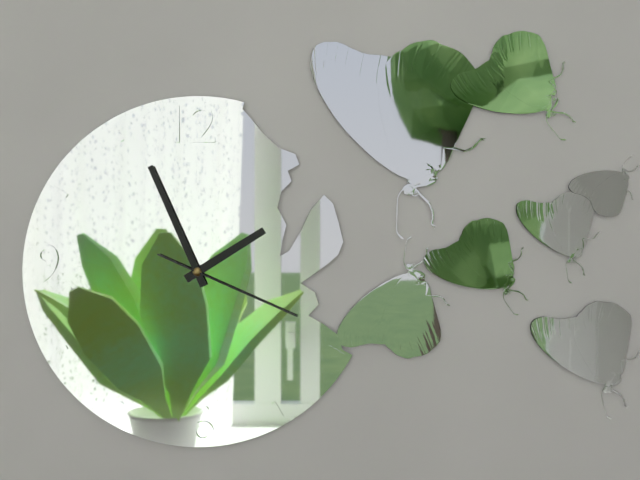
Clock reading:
**1:56:19**
